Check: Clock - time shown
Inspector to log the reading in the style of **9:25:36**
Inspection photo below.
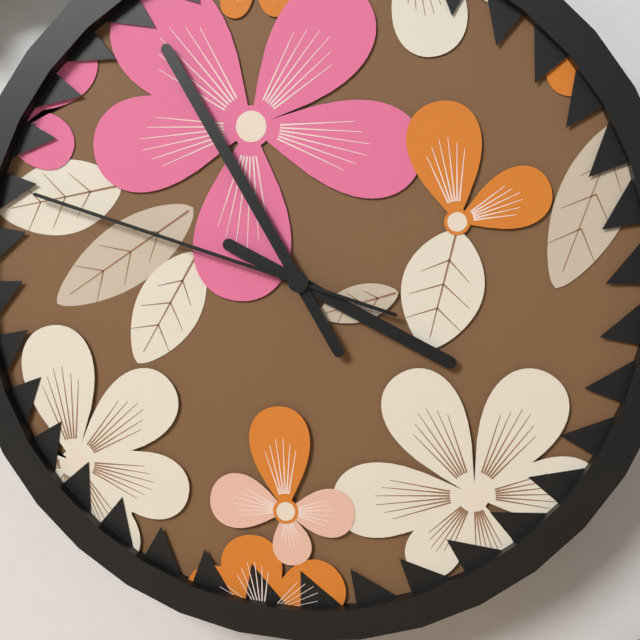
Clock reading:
**3:55:48**
